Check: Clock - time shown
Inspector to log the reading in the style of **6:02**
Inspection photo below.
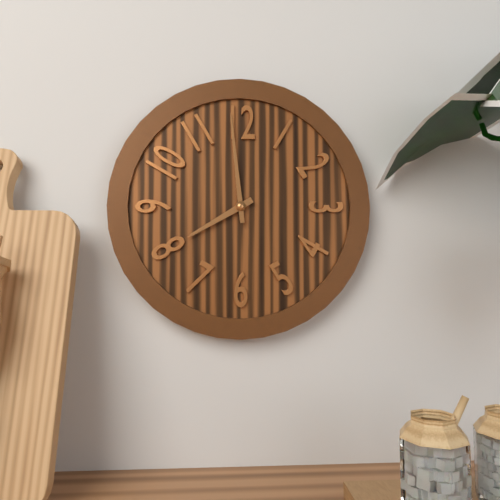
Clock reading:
**7:59**
